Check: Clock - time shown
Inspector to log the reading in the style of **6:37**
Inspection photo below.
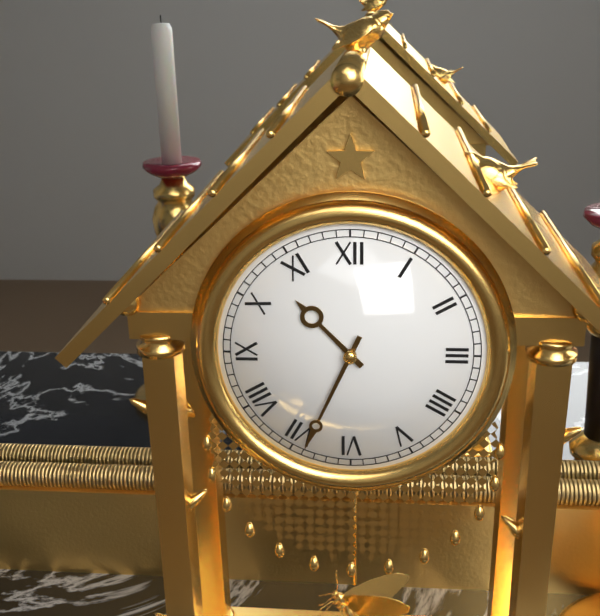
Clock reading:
**10:34**
